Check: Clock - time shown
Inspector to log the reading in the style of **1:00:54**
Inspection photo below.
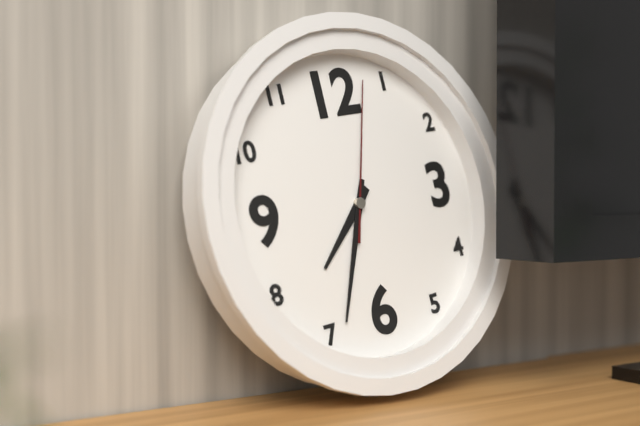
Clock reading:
**7:34:03**
